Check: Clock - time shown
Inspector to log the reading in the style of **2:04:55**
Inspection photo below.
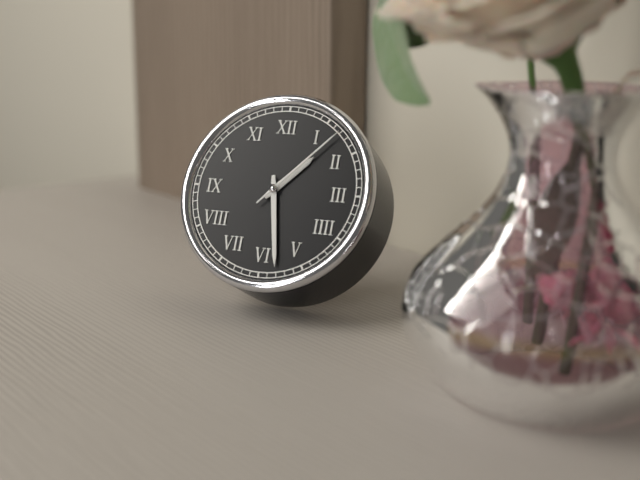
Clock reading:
**1:28:07**
